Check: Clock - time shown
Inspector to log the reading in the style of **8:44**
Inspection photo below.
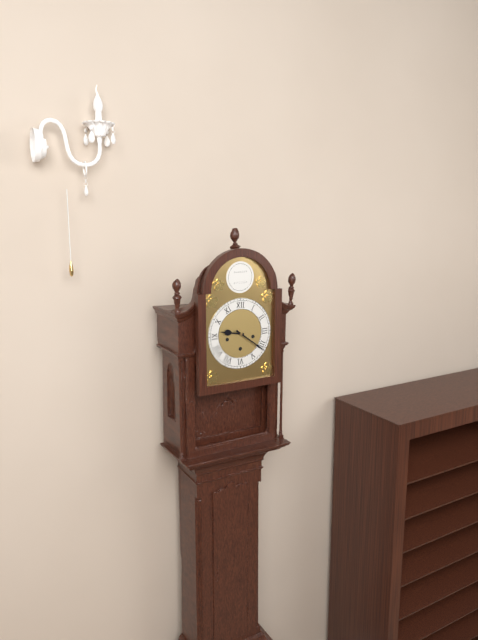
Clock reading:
**9:21**
